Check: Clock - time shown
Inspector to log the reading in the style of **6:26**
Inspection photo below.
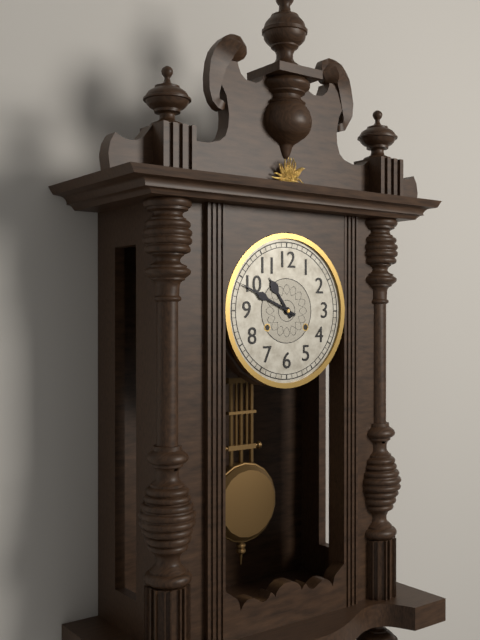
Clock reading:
**10:49**
